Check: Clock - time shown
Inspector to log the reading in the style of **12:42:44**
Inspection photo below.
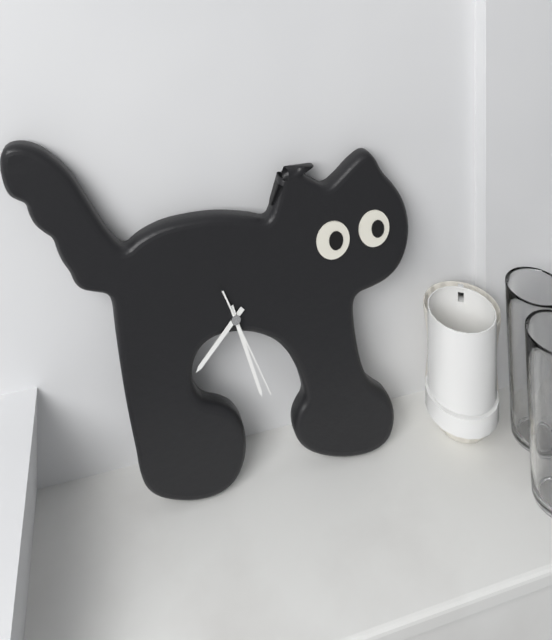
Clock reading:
**7:27:26**
